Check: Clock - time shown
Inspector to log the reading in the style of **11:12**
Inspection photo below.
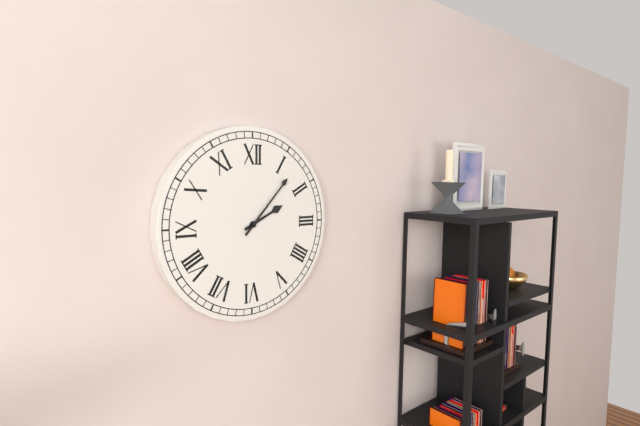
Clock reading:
**2:07**
